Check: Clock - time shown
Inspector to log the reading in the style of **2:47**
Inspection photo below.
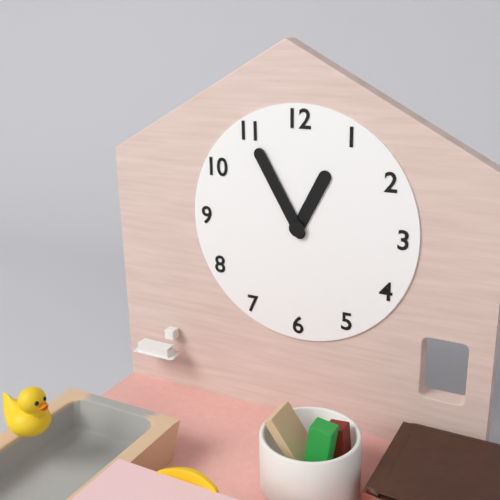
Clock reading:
**12:55**
